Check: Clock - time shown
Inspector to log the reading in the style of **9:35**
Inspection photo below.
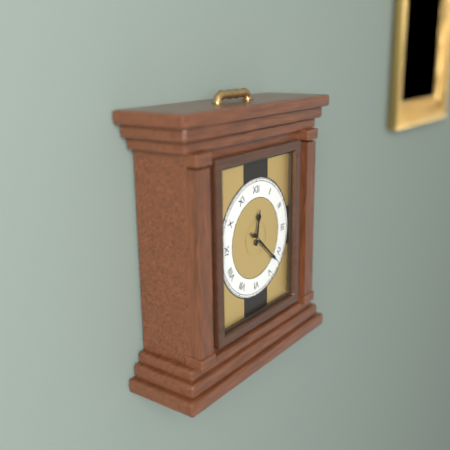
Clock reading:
**12:22**
